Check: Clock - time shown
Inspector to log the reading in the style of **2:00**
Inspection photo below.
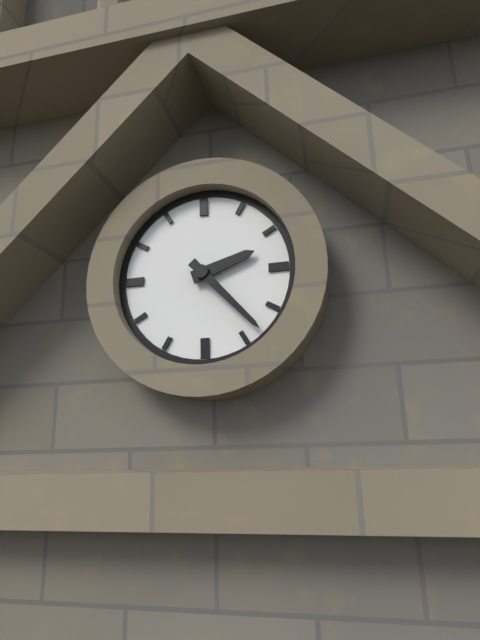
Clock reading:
**2:23**
